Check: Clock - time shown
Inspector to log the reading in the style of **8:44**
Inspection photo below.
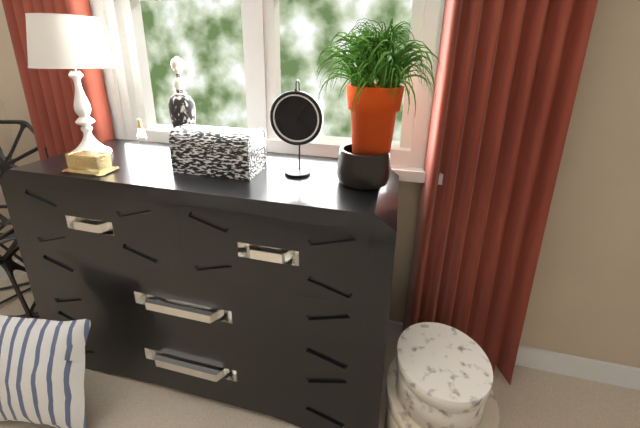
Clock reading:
**4:06**
